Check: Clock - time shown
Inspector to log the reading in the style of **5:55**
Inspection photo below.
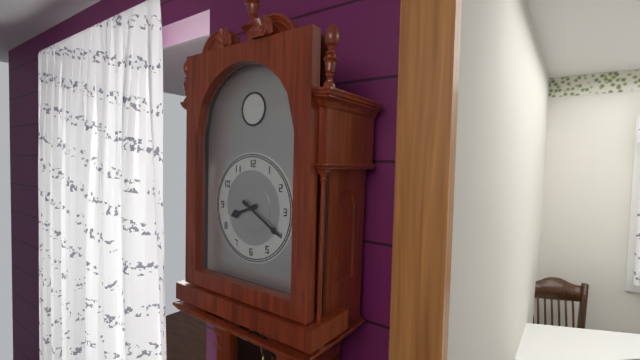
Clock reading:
**8:20**
